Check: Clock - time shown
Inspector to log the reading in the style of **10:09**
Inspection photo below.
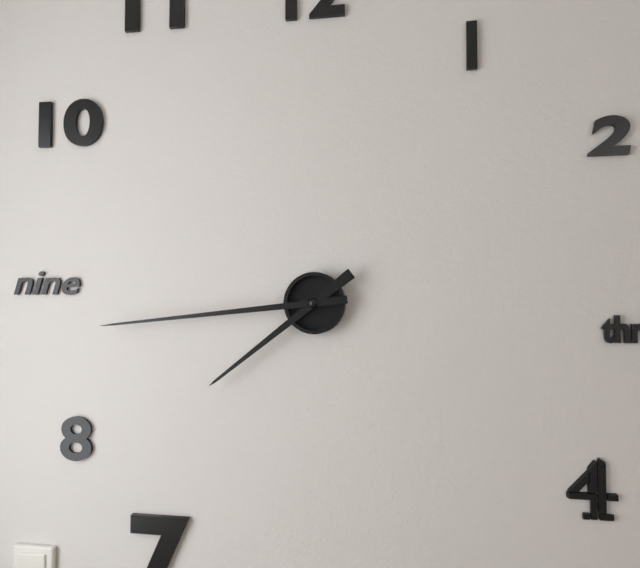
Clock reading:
**7:44**
